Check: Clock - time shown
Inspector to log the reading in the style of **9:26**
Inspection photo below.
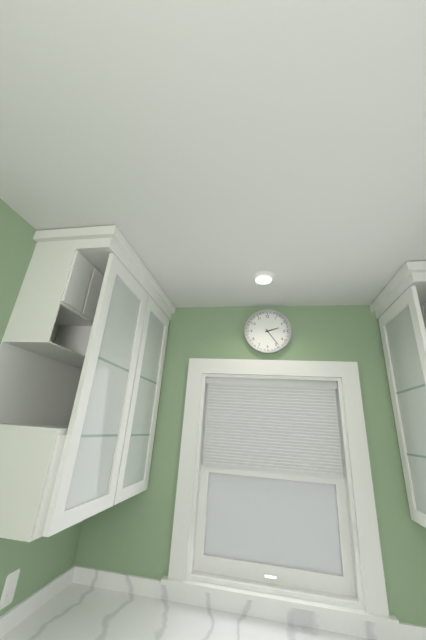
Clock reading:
**2:24**
